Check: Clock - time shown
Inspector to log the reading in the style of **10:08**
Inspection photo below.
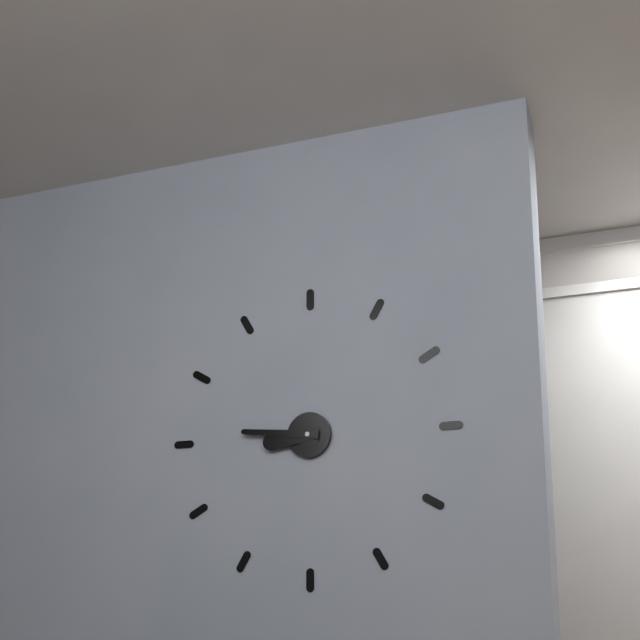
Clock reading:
**8:46**
